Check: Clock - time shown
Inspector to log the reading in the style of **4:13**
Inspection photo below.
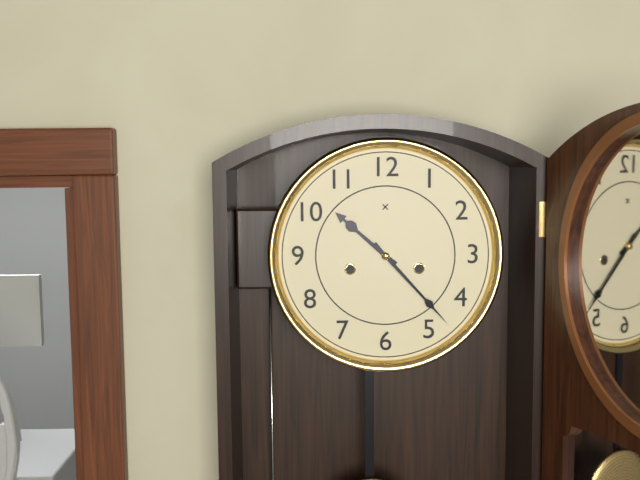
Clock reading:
**10:23**
